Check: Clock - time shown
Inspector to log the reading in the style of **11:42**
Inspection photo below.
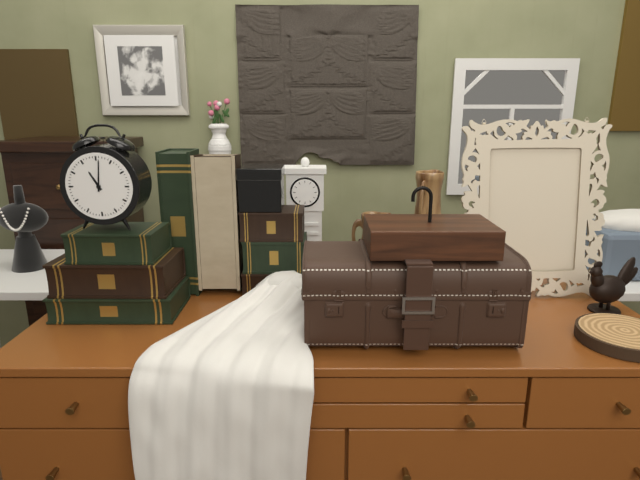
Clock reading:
**11:01**
